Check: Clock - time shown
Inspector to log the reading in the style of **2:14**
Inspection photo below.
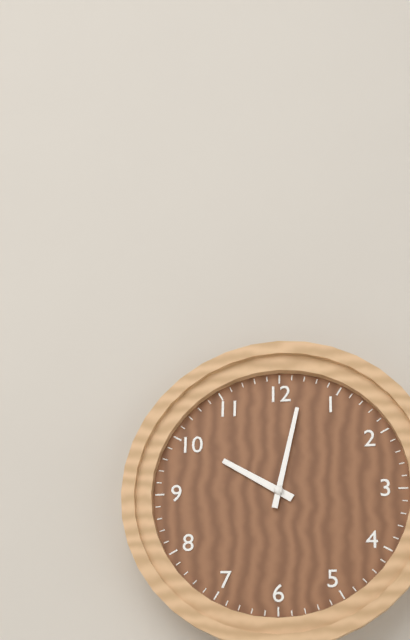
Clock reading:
**10:02**
